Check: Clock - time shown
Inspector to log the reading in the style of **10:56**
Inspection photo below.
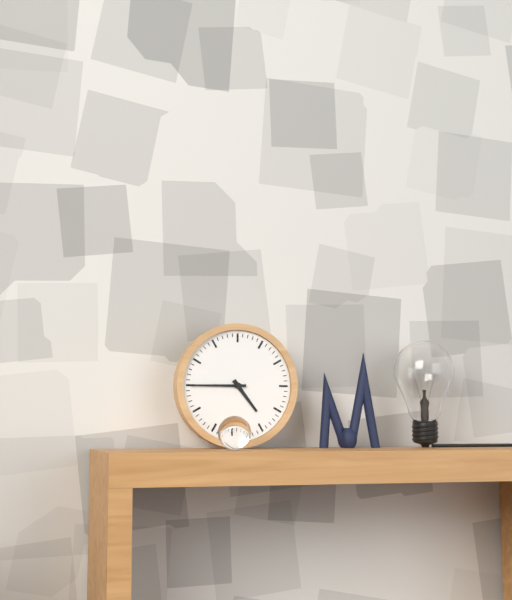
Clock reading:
**4:45**
